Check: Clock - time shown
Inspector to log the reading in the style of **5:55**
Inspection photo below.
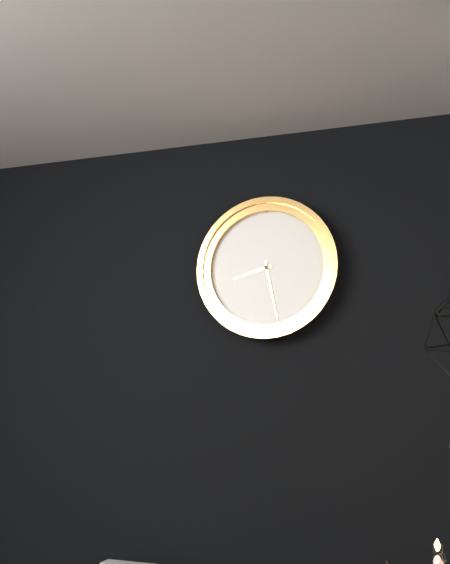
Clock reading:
**8:28**
